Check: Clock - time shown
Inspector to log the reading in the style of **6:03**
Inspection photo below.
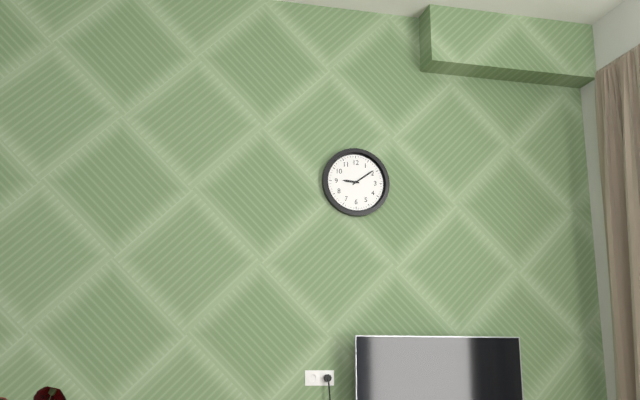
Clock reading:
**9:09**
